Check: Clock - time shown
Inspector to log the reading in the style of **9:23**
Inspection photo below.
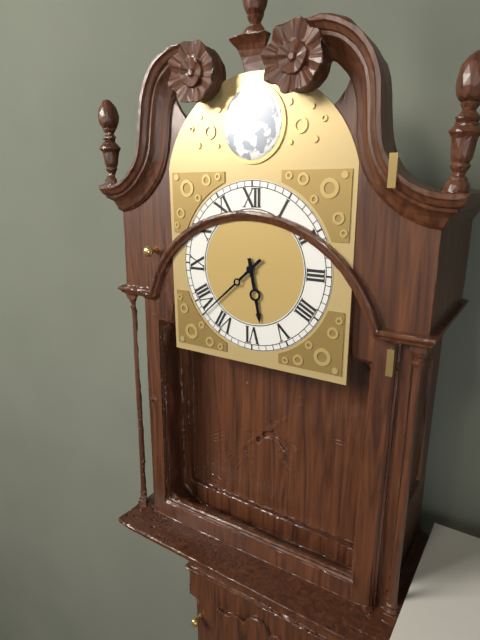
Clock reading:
**5:38**
